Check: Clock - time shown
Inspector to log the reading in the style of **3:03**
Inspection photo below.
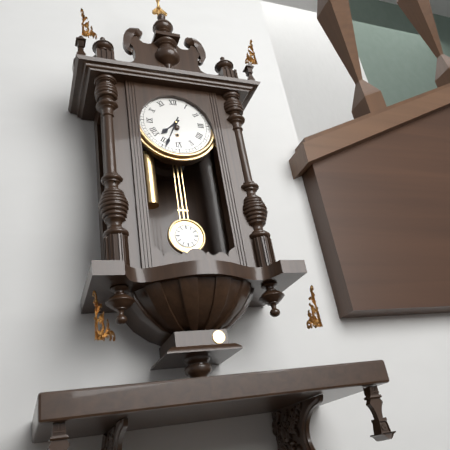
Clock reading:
**7:34**
